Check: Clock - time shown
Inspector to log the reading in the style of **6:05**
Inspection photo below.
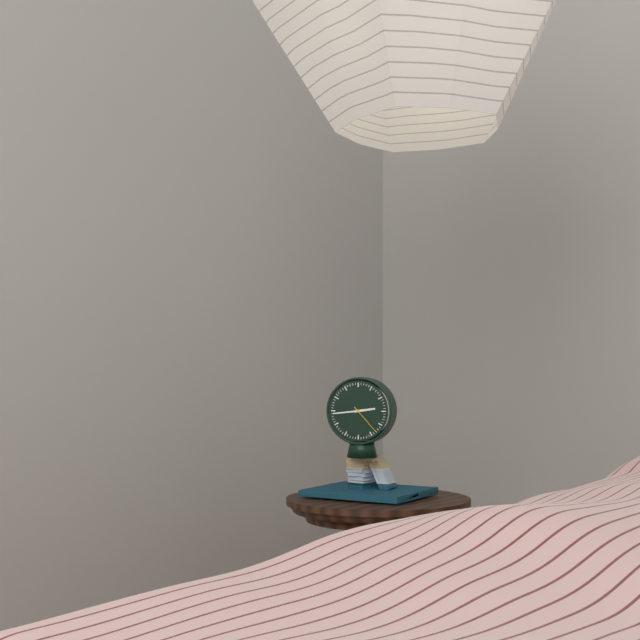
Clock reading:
**2:44**
